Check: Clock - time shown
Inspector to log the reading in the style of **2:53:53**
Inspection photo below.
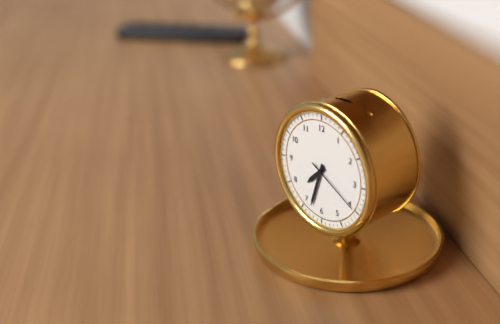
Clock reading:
**7:33:20**
